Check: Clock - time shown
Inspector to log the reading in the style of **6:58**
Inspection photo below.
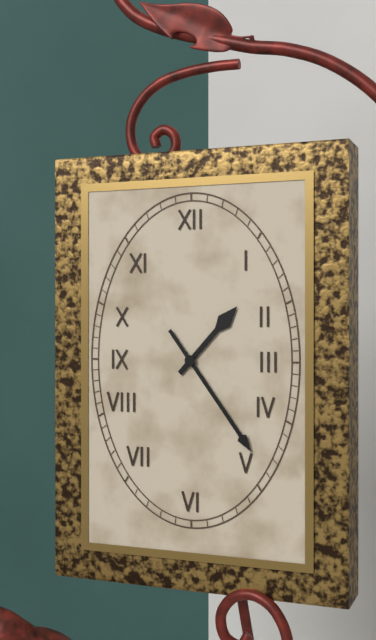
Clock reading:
**1:24**
